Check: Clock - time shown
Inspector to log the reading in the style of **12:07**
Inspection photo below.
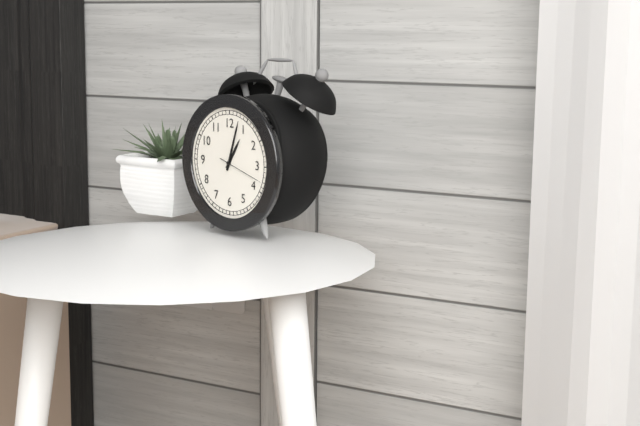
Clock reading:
**1:03**
